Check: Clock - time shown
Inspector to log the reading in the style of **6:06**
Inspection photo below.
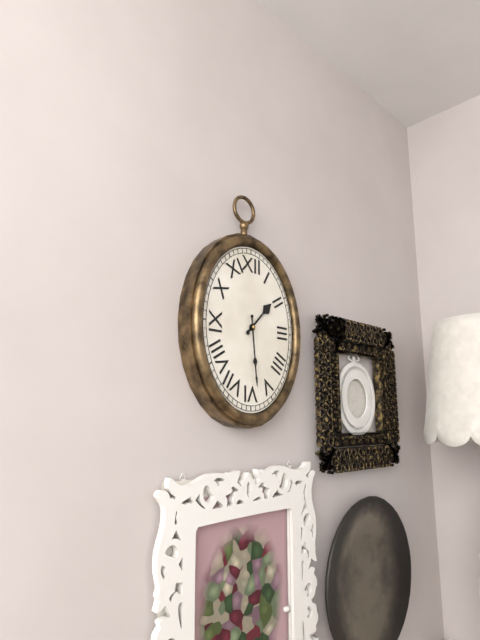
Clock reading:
**1:29**
